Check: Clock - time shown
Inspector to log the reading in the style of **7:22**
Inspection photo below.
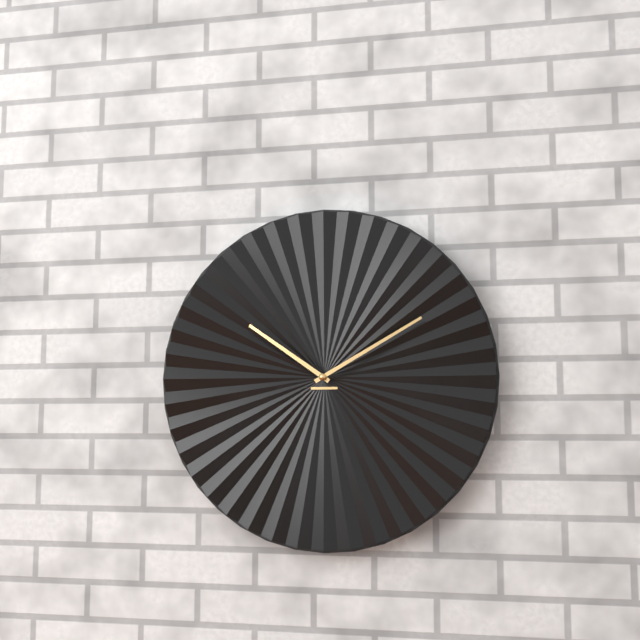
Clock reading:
**10:10**
